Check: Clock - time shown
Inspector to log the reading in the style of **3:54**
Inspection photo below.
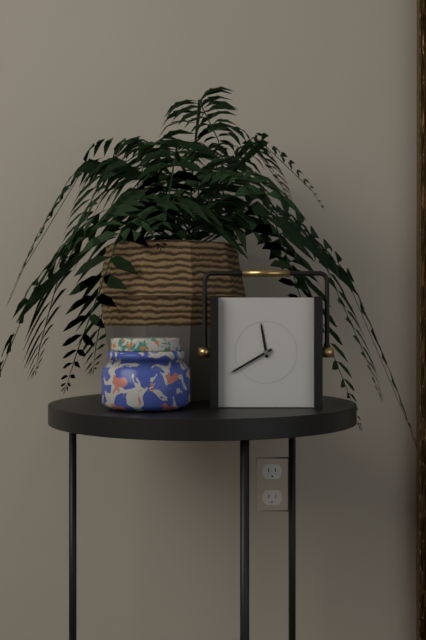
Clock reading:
**11:40**
